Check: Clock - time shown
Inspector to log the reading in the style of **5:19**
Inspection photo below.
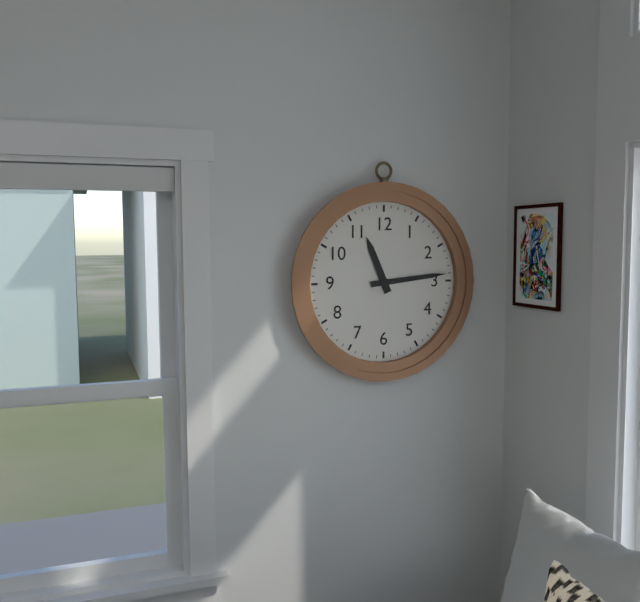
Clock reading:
**11:14**
